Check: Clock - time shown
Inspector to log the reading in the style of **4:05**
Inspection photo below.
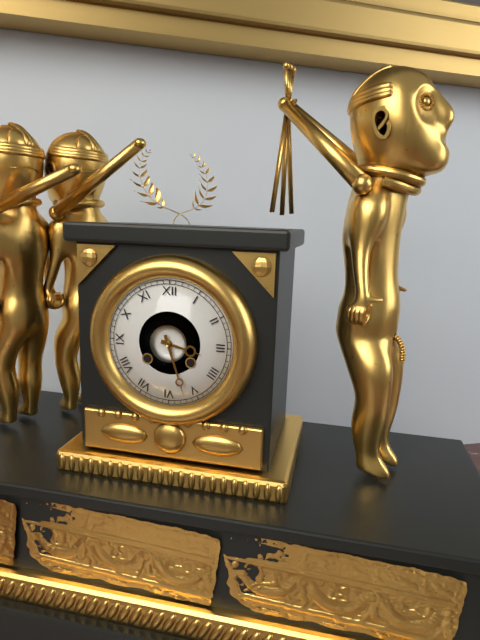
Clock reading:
**3:27**
